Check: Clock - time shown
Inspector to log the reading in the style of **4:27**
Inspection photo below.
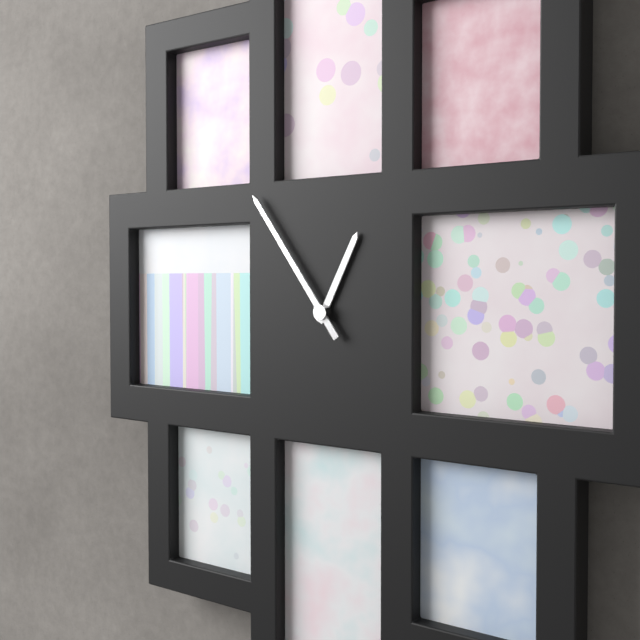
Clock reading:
**12:54**
